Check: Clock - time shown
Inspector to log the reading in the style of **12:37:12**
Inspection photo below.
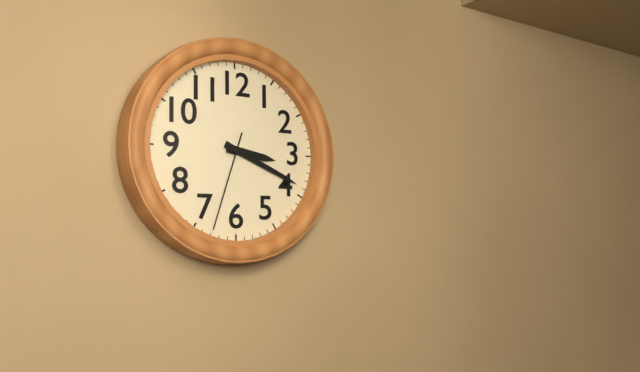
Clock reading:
**3:19:33**
